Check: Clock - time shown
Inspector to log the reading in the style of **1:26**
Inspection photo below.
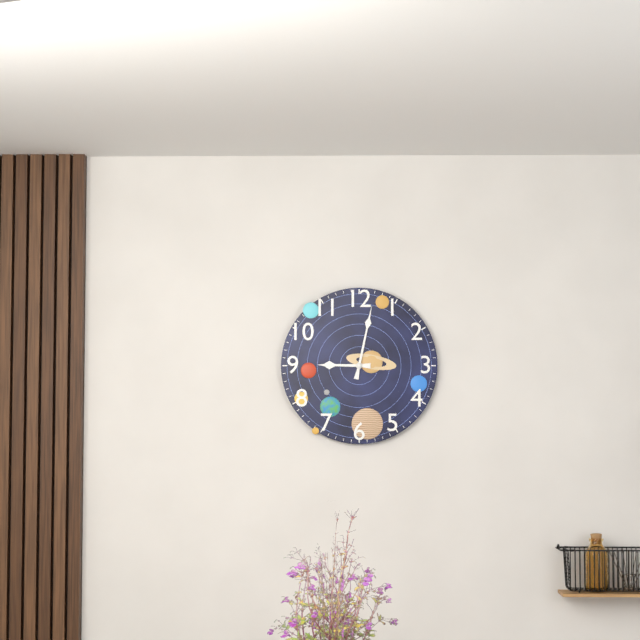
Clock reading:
**9:02**
